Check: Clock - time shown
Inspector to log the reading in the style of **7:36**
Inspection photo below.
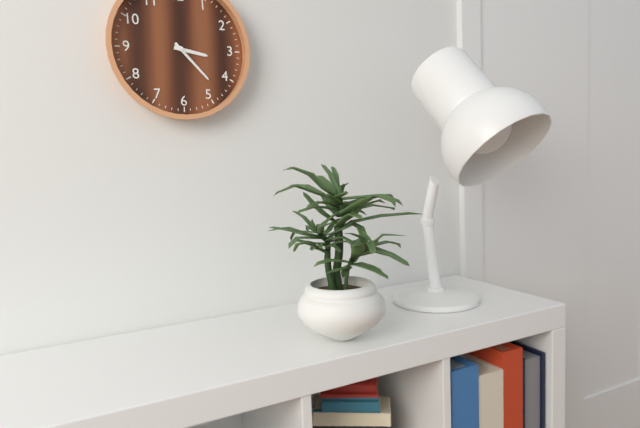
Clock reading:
**3:23**
